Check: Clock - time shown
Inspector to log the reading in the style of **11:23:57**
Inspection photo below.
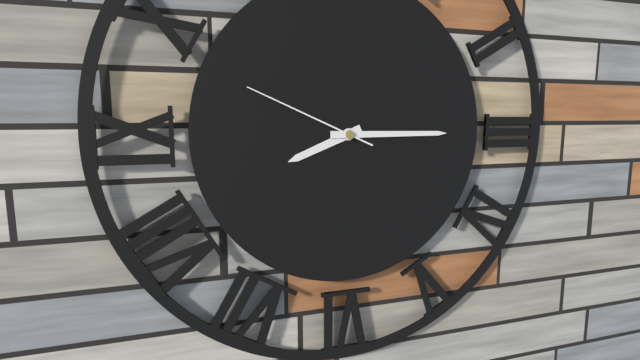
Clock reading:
**8:15:49**
